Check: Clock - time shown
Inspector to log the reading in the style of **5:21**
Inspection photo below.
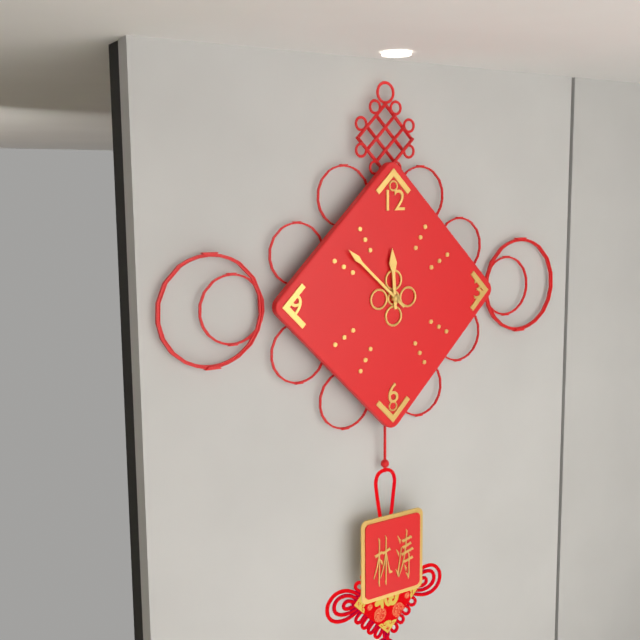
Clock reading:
**11:52**
